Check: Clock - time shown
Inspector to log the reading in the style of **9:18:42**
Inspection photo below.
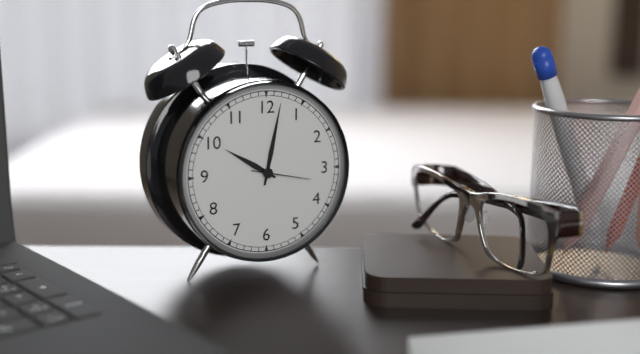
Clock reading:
**10:02:17**
